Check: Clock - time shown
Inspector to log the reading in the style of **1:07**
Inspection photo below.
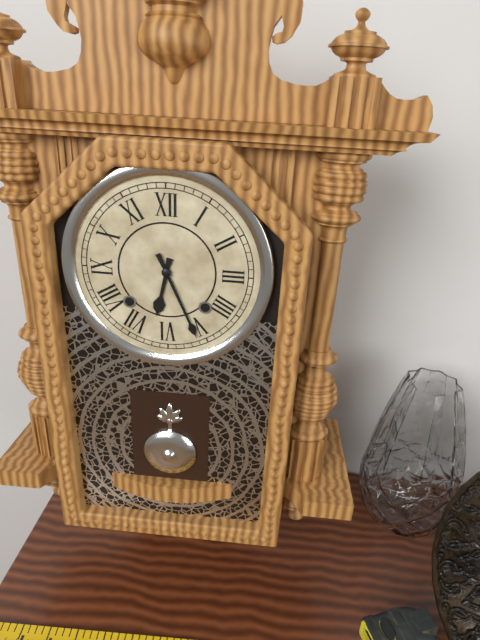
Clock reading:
**6:26**
